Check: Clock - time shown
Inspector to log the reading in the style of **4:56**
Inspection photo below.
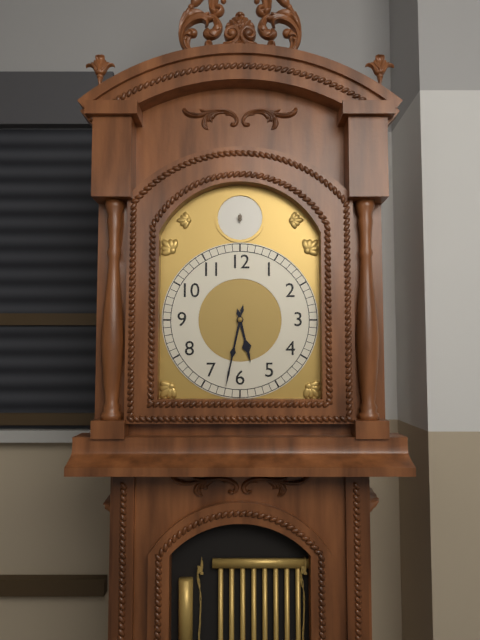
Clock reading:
**5:32**
